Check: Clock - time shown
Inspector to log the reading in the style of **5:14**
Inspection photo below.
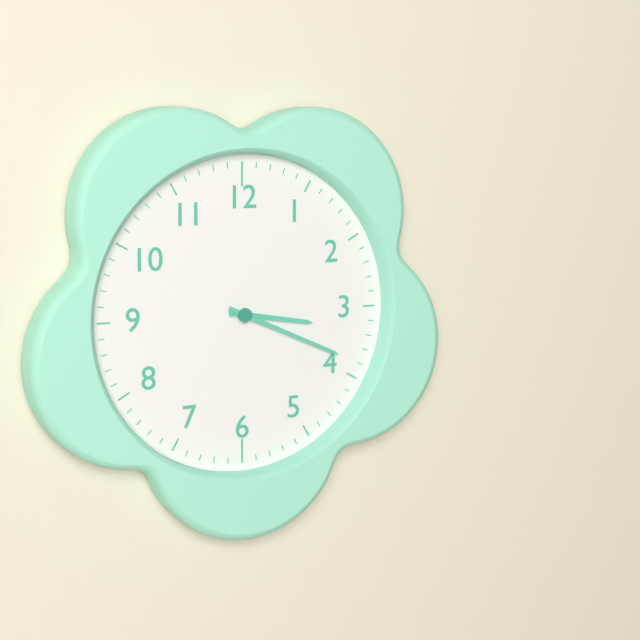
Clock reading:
**3:19**
